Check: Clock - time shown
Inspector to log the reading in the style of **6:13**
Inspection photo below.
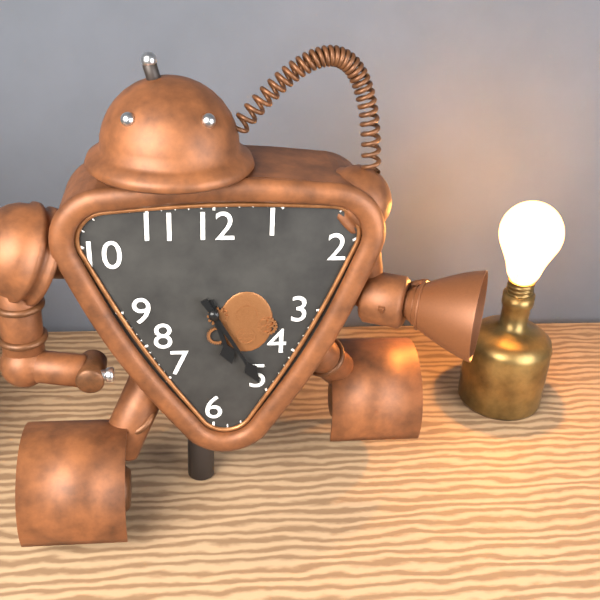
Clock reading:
**5:25**
